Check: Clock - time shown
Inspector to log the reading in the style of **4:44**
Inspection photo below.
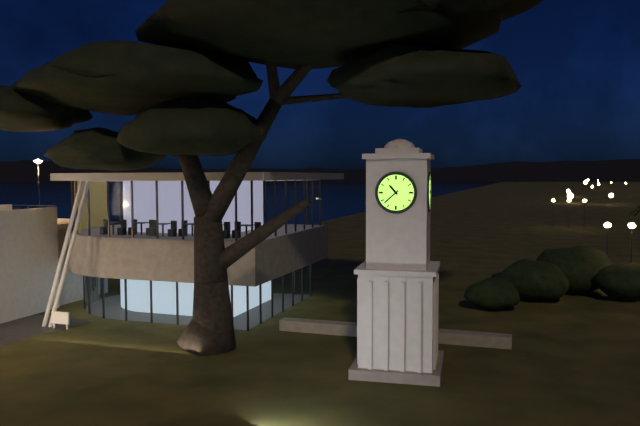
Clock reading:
**10:38**
